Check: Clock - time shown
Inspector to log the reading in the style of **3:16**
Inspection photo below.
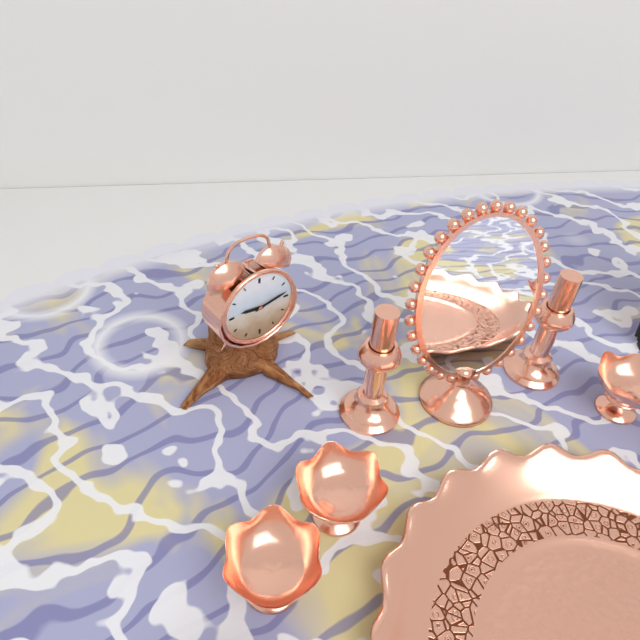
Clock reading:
**9:13**
